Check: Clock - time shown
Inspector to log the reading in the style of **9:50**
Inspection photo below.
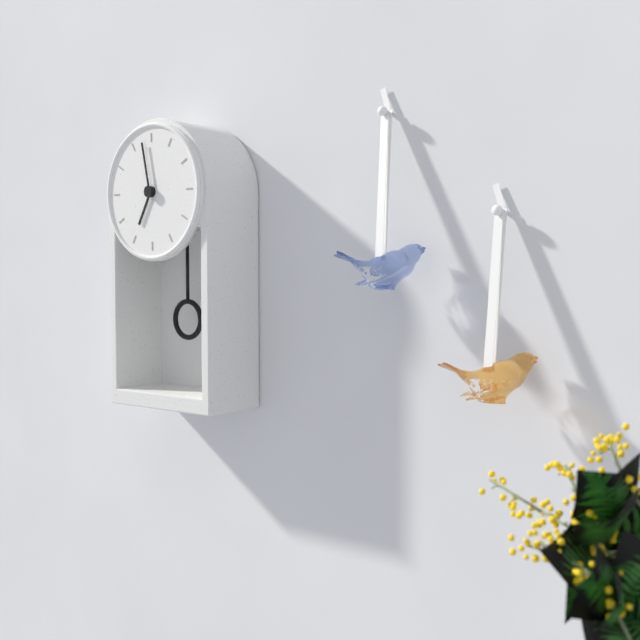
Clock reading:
**6:58**
